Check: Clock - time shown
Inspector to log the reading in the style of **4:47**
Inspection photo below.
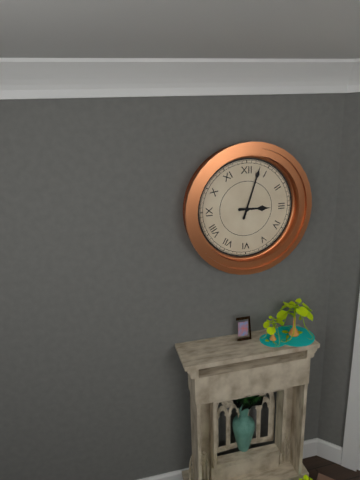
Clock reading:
**3:03**
